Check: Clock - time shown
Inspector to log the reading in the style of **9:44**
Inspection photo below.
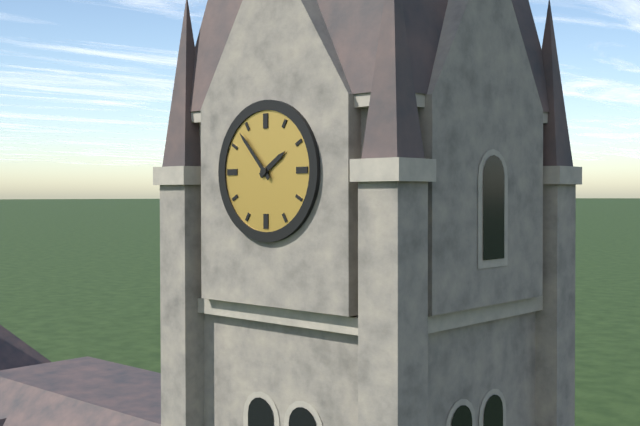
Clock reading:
**1:53**
